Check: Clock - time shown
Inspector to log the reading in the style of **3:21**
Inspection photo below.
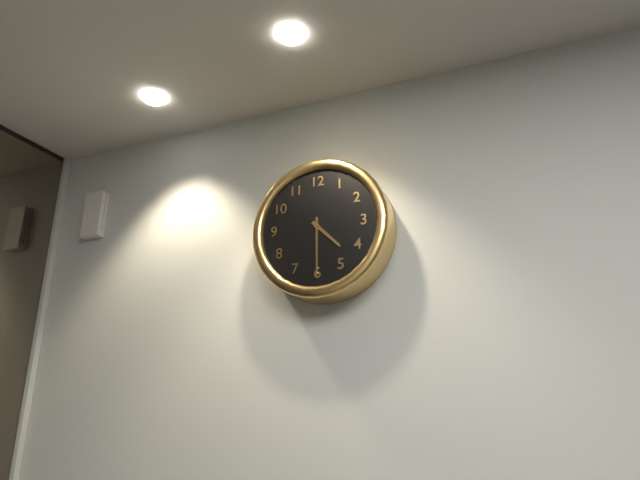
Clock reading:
**4:30**
